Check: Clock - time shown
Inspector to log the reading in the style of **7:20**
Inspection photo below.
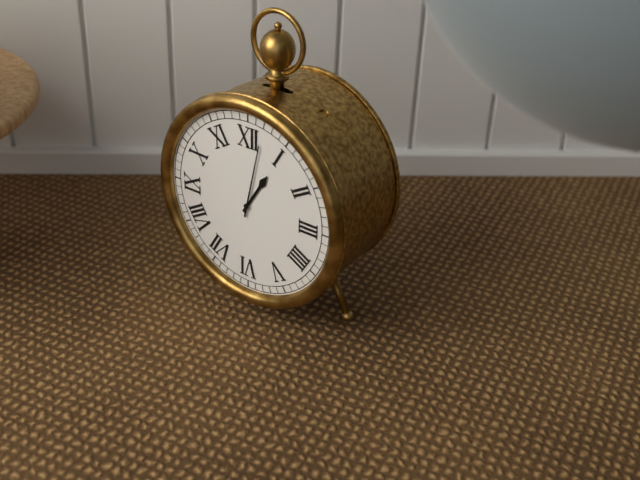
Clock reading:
**1:02**
